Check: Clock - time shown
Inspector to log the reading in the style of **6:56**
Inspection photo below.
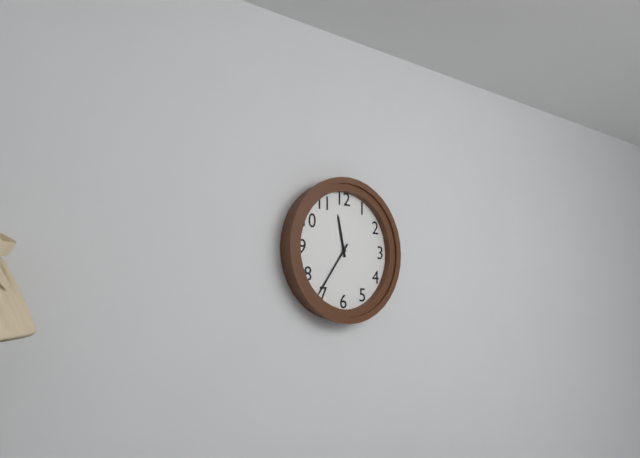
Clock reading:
**11:36**
